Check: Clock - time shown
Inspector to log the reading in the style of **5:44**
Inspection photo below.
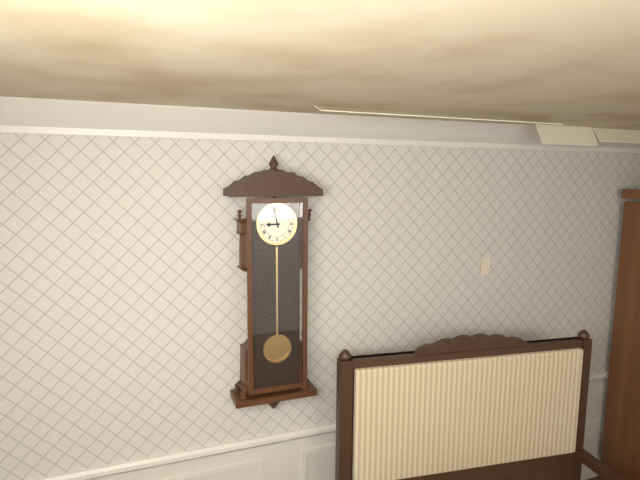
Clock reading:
**8:58**
